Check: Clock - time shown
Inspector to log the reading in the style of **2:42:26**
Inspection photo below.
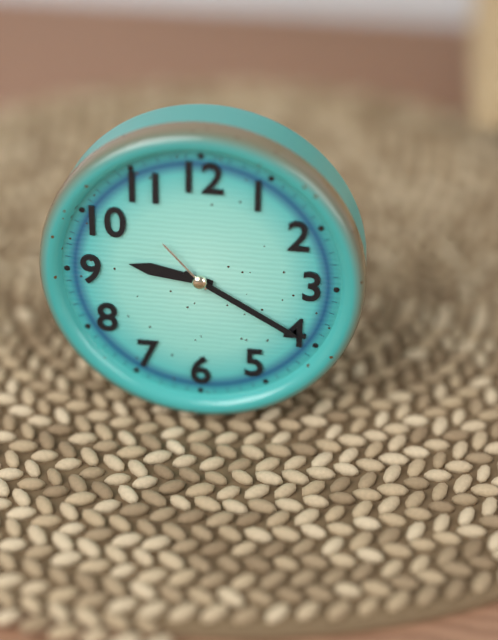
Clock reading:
**9:20:53**
